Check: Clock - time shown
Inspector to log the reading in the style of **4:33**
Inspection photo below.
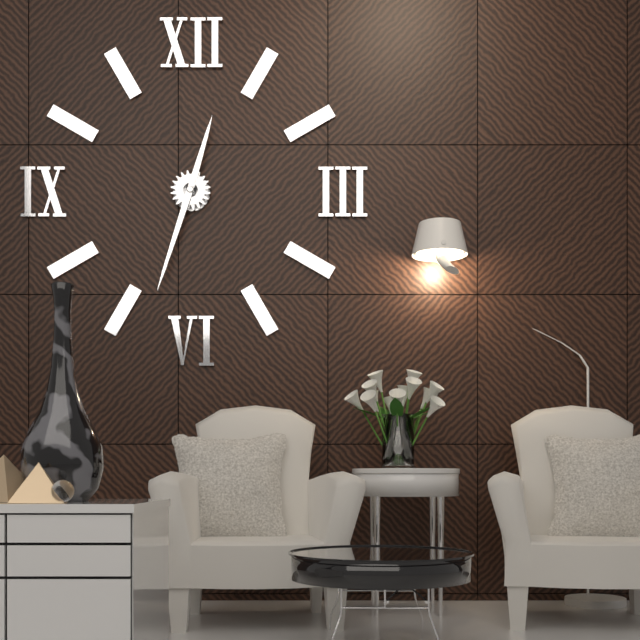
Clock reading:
**12:33**
